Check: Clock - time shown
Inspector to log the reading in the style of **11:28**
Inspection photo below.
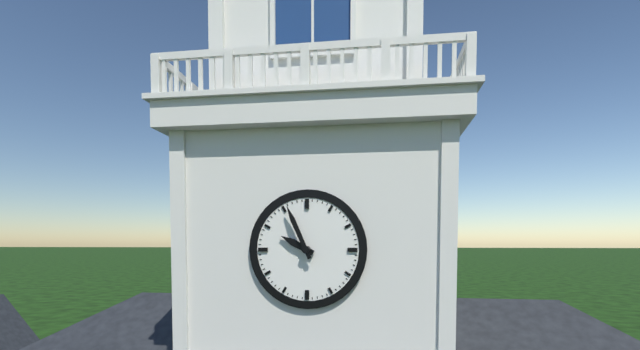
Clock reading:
**9:56**
